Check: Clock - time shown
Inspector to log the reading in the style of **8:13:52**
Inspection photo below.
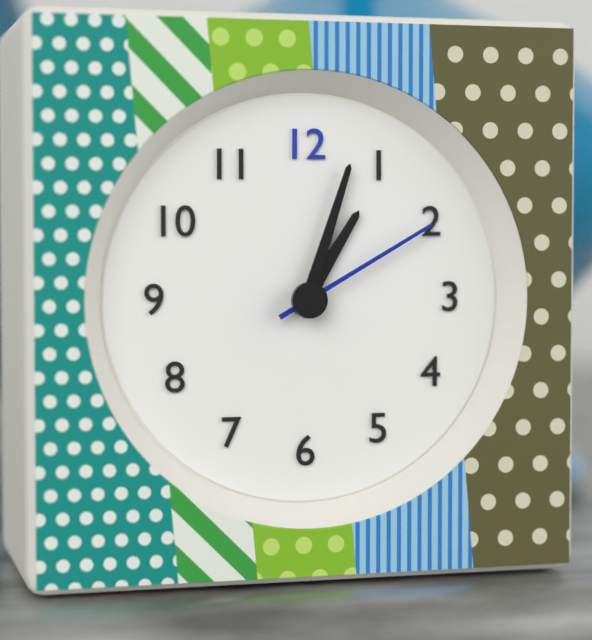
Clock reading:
**1:03:10**
